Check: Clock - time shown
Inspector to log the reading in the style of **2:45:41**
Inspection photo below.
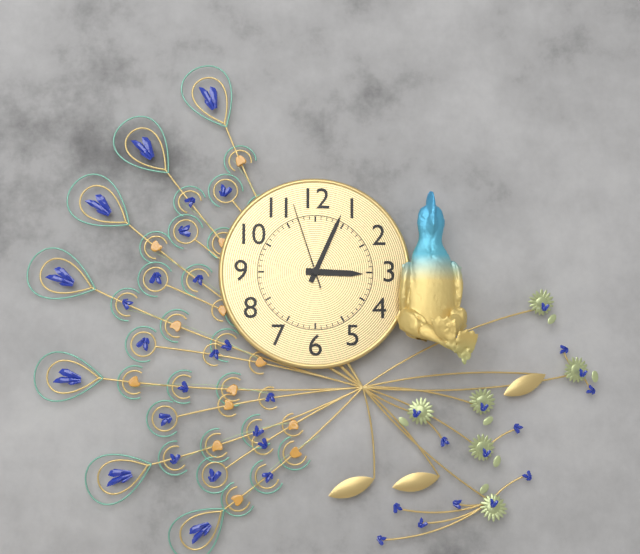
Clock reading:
**3:04:57**
